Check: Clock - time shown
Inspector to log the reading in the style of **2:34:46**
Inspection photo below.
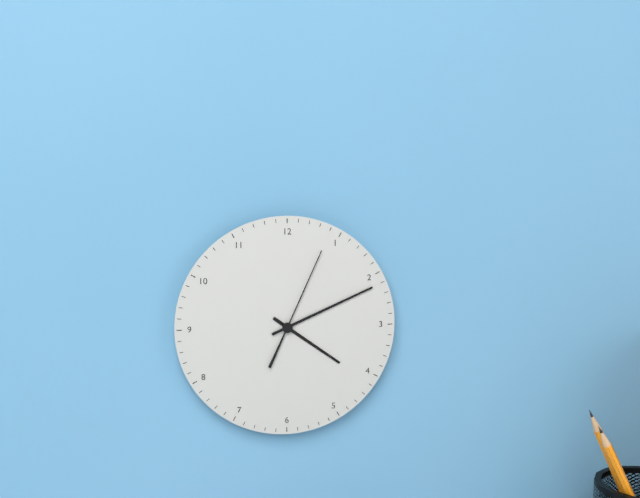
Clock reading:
**4:11:04**
